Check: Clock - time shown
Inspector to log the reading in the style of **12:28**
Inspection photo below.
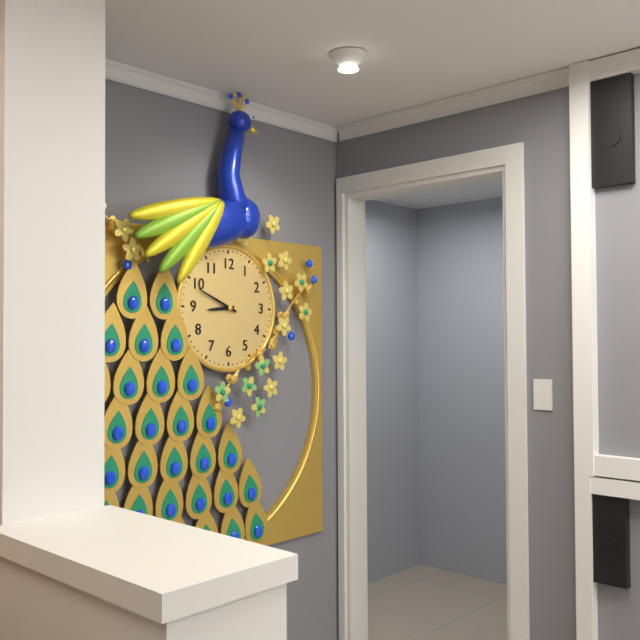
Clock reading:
**8:49**
